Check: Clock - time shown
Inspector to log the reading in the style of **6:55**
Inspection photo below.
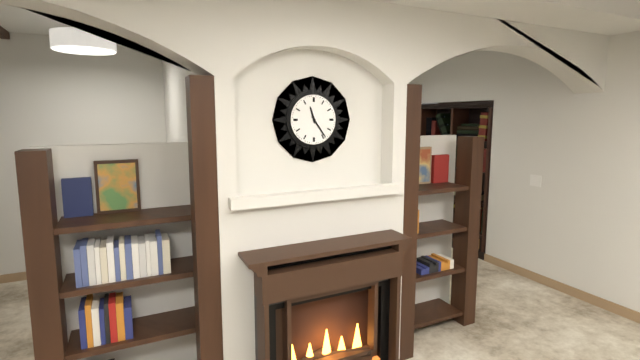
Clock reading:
**11:24**
